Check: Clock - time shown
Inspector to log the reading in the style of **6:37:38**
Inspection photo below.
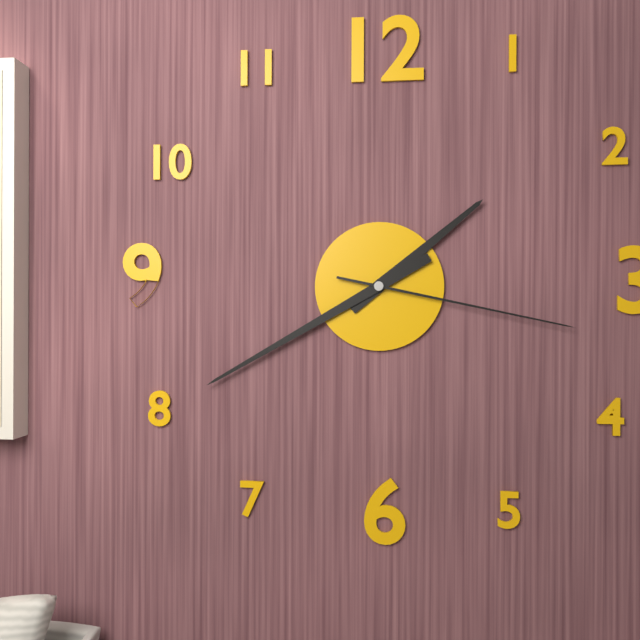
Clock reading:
**1:40:17**
